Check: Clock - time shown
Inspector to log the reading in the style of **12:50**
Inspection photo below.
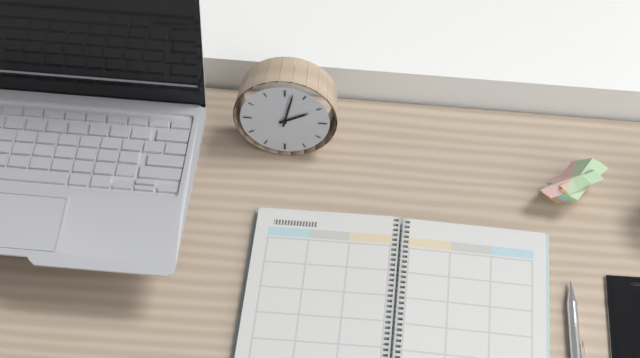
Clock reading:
**2:02**
